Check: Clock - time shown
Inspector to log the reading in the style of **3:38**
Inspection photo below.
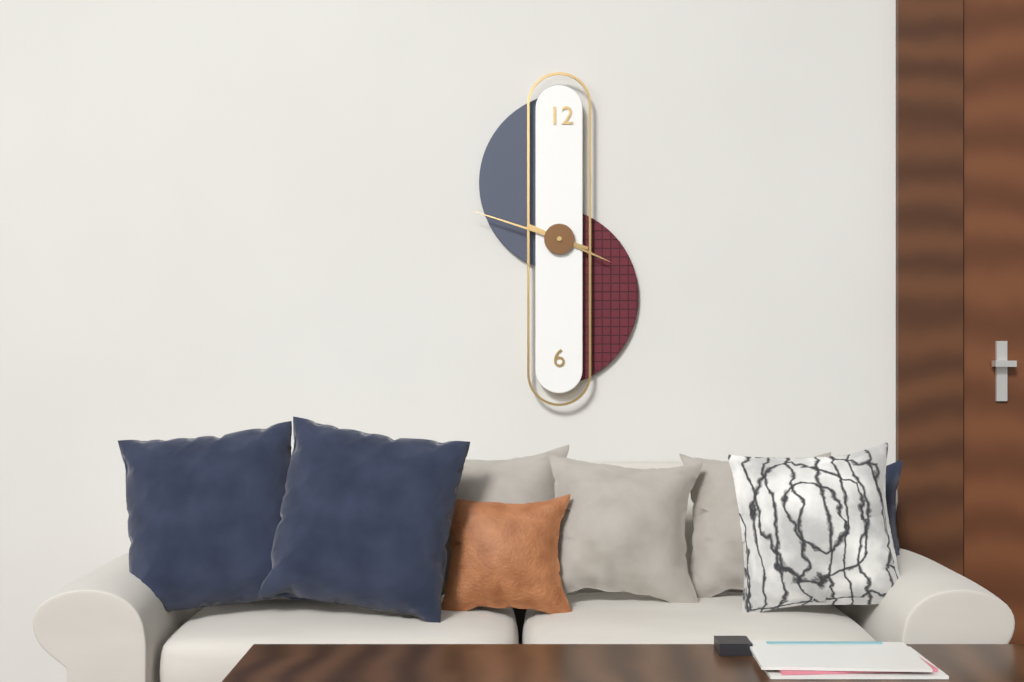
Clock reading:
**3:48**
